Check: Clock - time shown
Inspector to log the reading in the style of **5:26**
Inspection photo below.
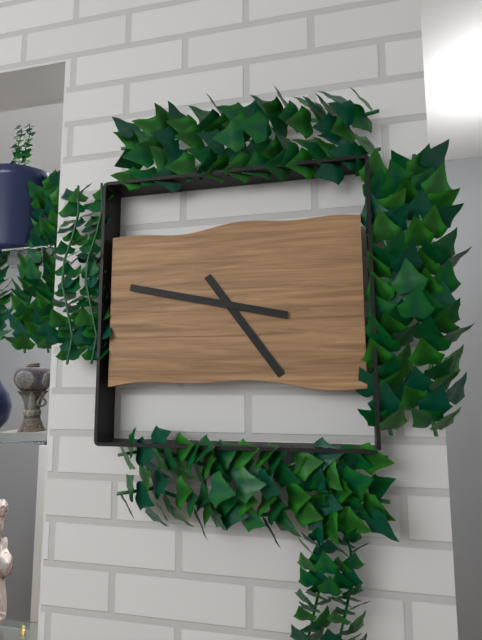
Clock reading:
**4:47**
